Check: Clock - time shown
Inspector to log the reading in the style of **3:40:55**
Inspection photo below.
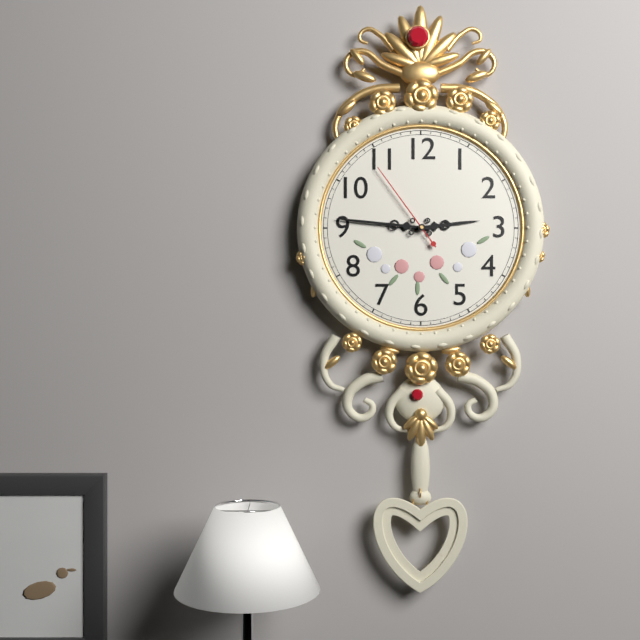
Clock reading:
**2:46:54**
